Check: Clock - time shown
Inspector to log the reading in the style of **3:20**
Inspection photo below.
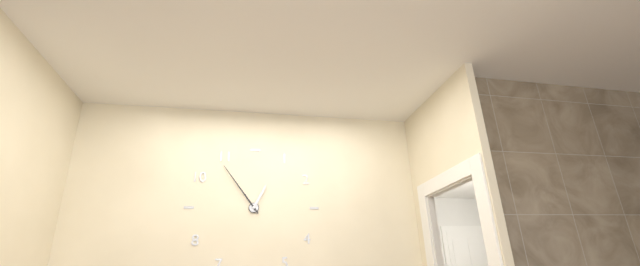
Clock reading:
**12:54**
